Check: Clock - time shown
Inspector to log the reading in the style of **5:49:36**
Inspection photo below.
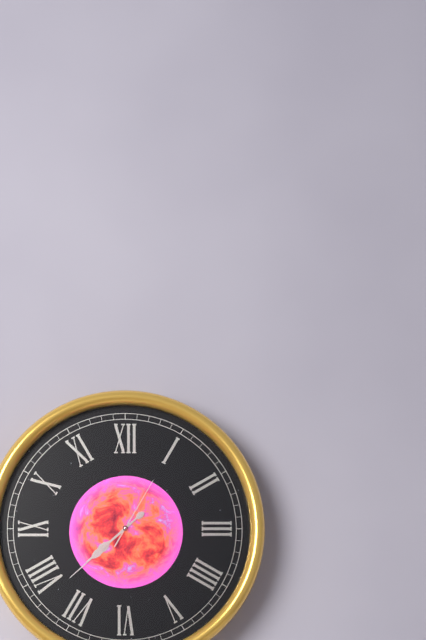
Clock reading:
**7:38:05**
